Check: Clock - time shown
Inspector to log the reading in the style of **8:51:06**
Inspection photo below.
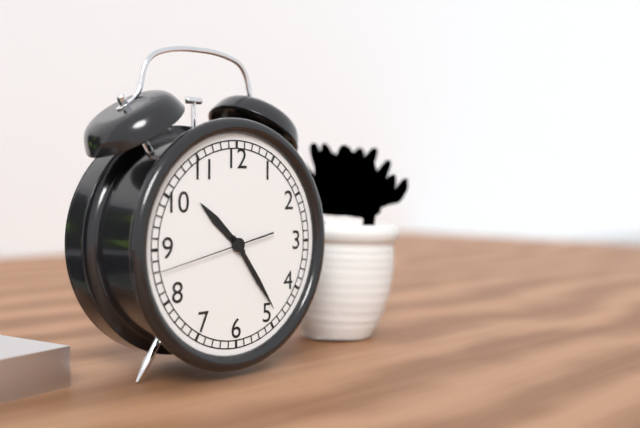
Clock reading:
**10:24:43**
